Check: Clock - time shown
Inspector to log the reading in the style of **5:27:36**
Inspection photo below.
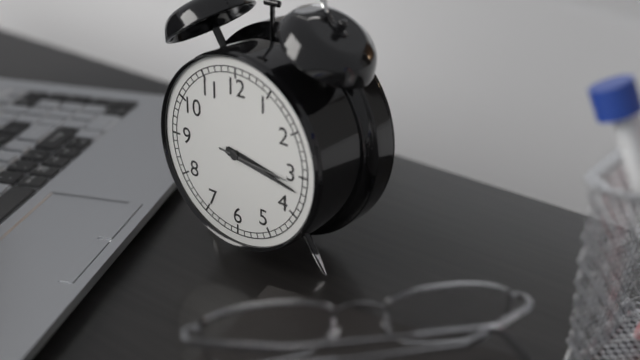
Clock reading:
**3:17:16**
